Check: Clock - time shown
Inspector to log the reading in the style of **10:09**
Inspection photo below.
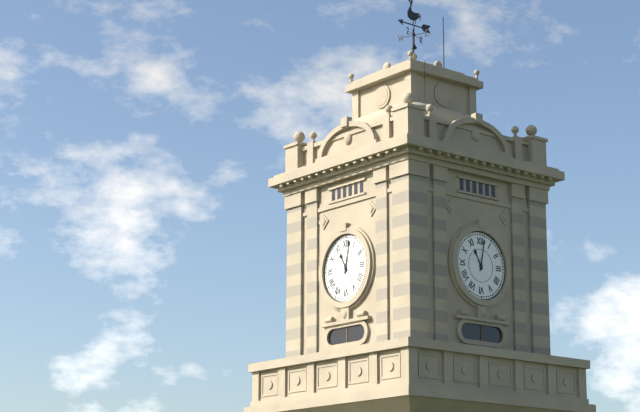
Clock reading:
**11:02**
